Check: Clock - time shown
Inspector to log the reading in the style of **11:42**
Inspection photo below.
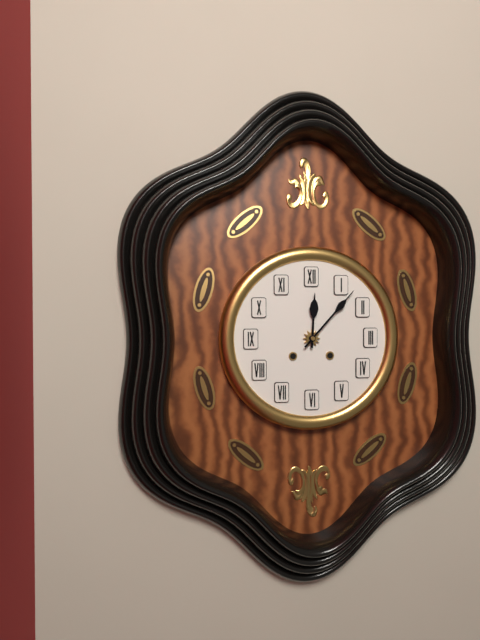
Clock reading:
**12:07**
